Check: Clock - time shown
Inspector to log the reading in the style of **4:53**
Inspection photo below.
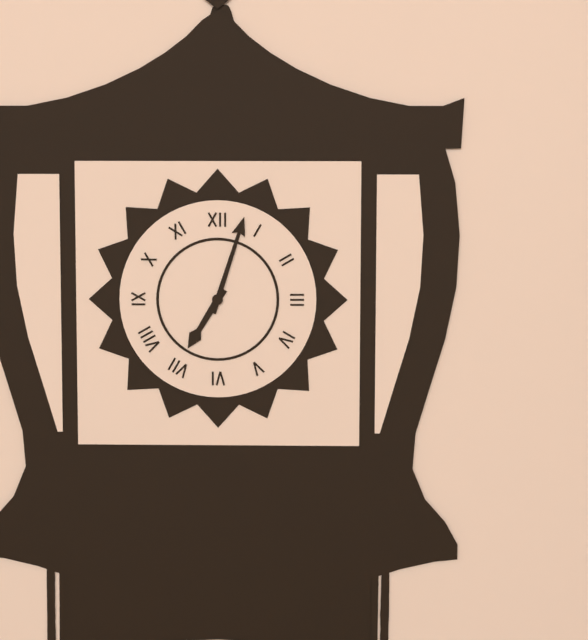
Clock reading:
**7:03**
